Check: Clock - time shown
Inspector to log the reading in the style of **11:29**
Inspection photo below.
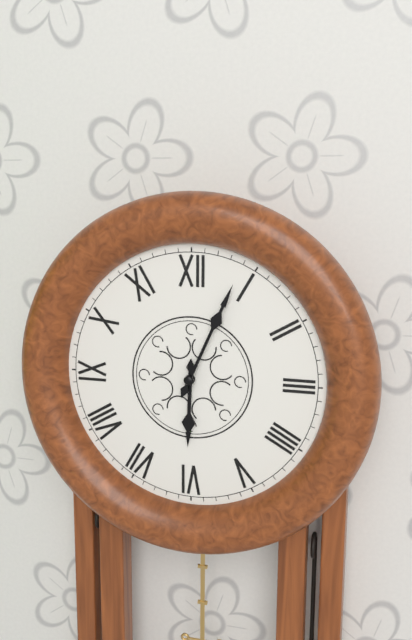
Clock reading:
**6:04**
